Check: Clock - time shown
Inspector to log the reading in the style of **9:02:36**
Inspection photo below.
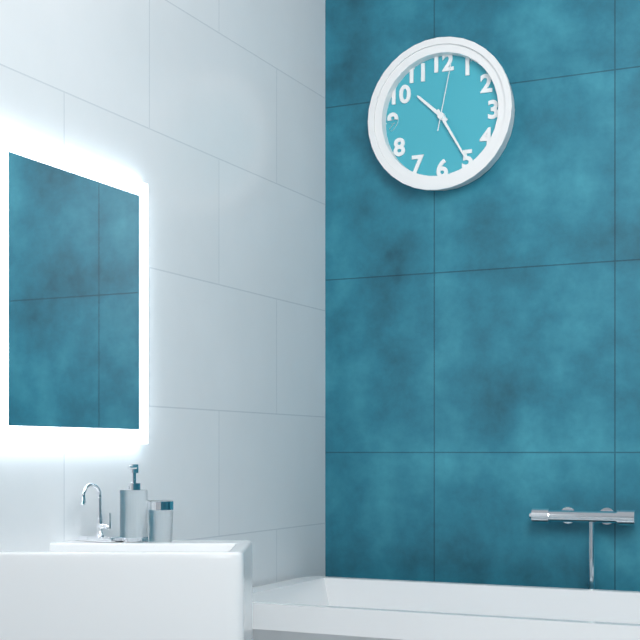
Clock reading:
**10:25:02**
